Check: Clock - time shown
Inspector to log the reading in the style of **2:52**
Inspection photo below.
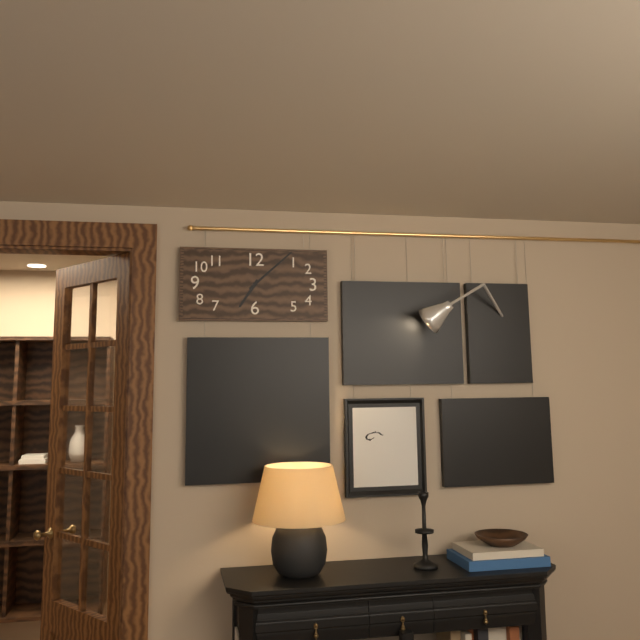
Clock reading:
**7:08**
